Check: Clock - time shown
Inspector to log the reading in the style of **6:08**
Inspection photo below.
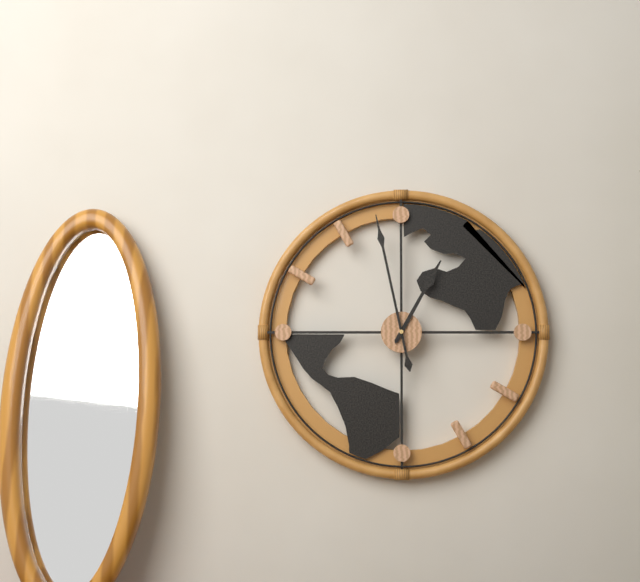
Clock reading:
**12:58**
